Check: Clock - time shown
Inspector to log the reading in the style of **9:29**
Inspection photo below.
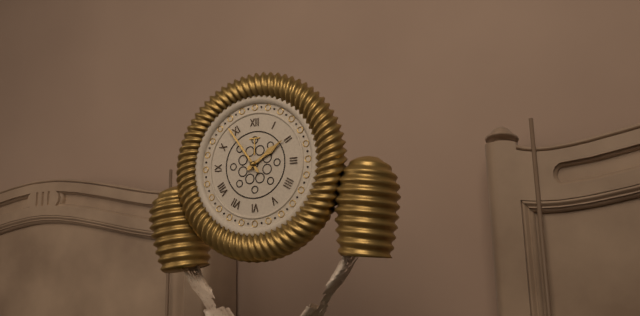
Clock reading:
**1:54**
